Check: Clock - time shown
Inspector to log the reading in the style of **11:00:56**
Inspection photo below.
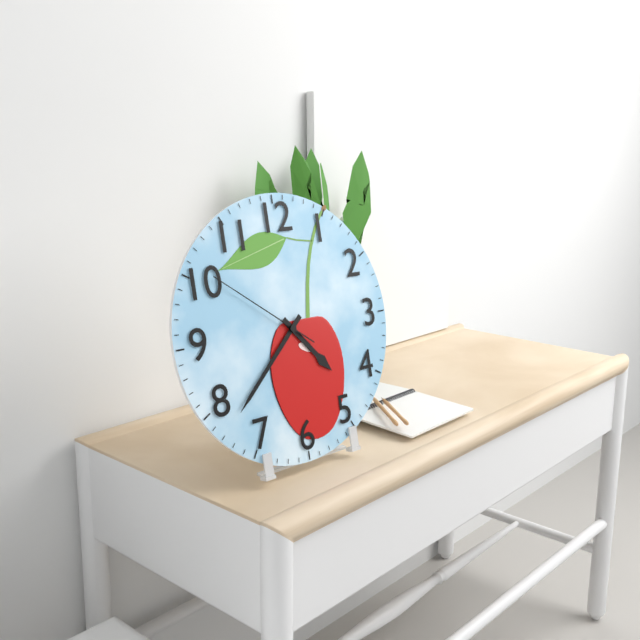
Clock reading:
**4:38:51**
